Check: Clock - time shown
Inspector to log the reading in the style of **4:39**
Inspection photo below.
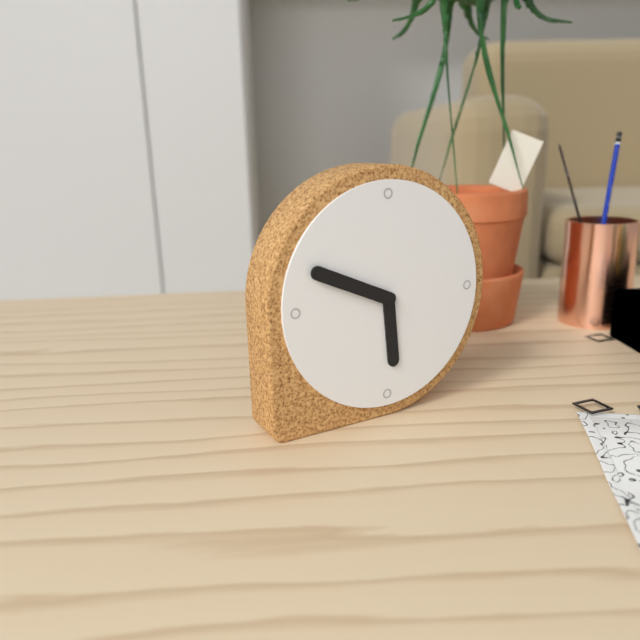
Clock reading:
**5:49**
